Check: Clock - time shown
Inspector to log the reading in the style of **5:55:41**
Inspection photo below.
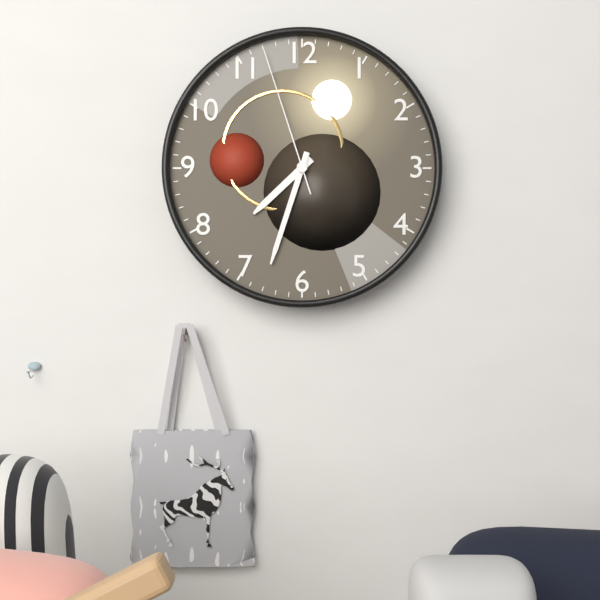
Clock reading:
**7:33:57**
